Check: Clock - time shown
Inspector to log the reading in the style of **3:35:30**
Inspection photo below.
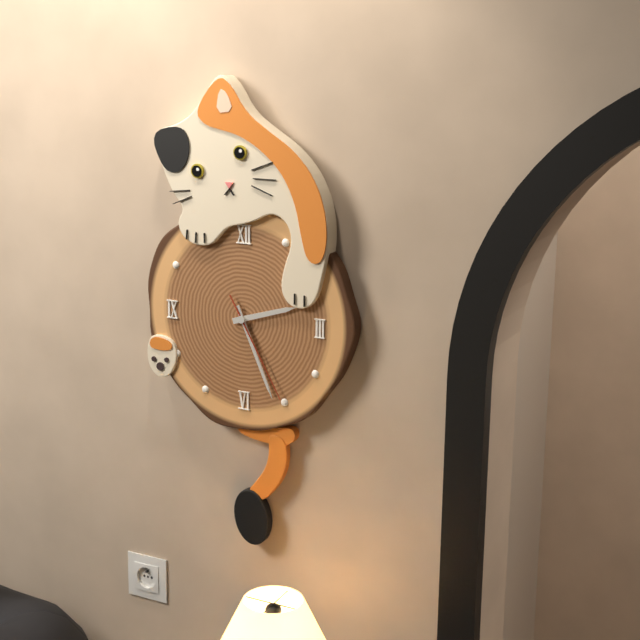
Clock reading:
**2:26:25**
